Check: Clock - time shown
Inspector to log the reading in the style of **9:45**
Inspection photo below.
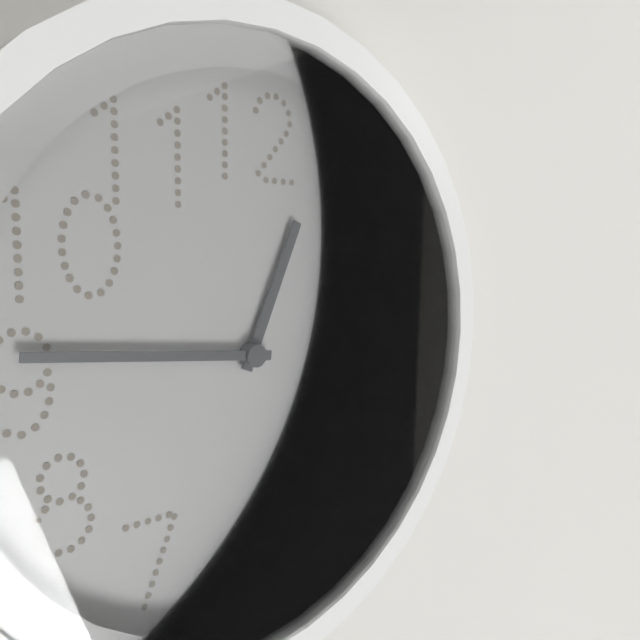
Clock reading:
**12:46**
